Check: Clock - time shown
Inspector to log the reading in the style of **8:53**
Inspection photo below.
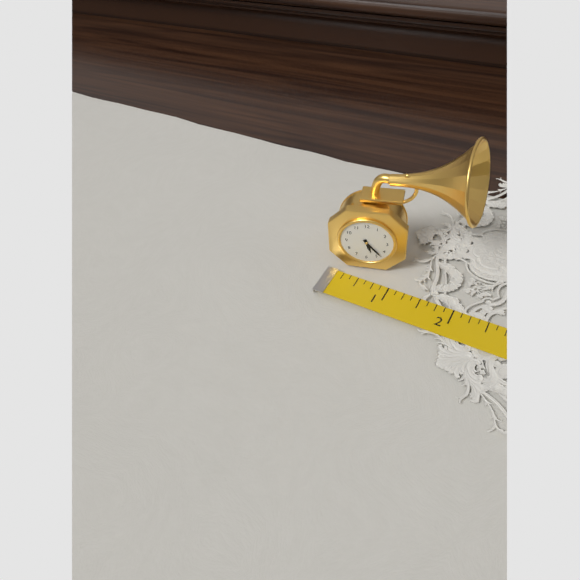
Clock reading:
**5:23**
